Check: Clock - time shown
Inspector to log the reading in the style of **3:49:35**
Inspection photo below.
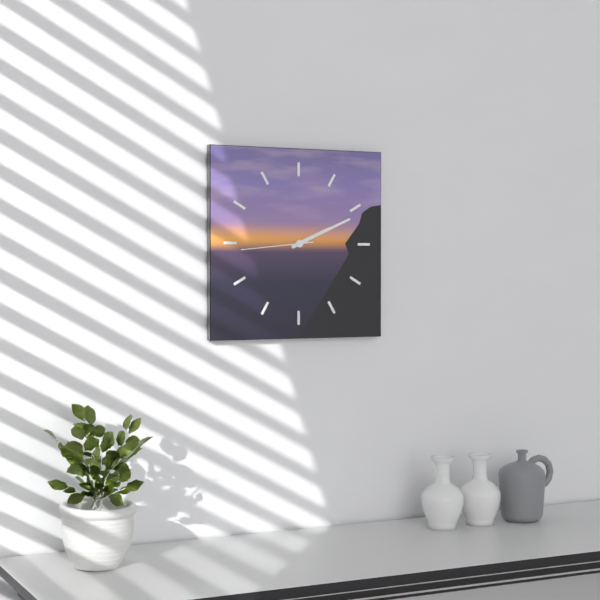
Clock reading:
**2:11:44**
